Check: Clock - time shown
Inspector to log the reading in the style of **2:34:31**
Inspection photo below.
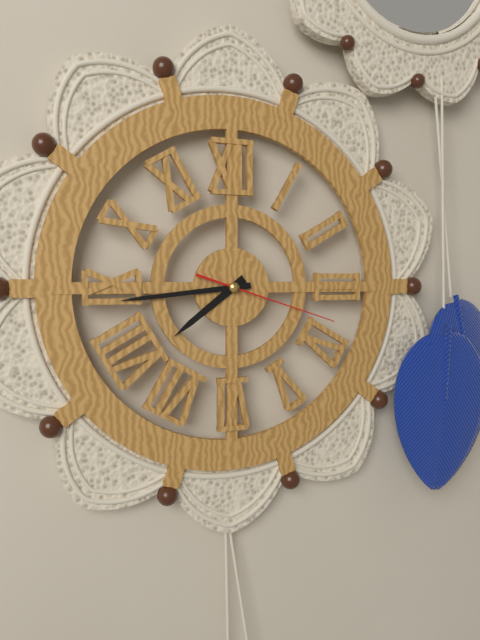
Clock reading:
**7:44:18**
